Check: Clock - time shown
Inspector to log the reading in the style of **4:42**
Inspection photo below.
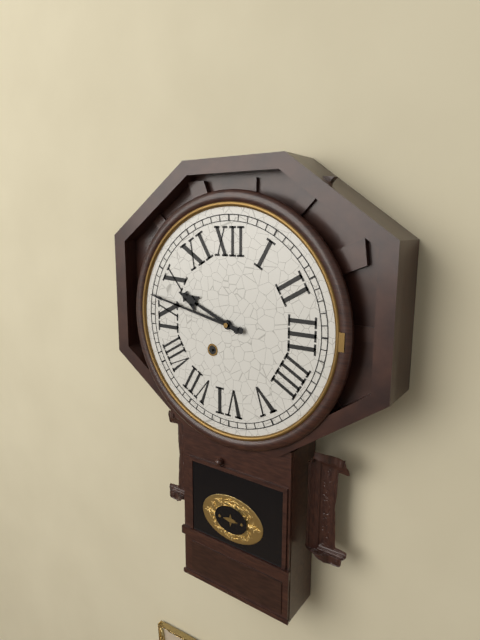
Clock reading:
**9:47**
